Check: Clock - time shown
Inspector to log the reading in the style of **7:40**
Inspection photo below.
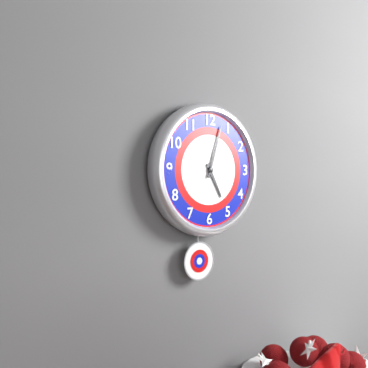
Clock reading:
**5:03**
